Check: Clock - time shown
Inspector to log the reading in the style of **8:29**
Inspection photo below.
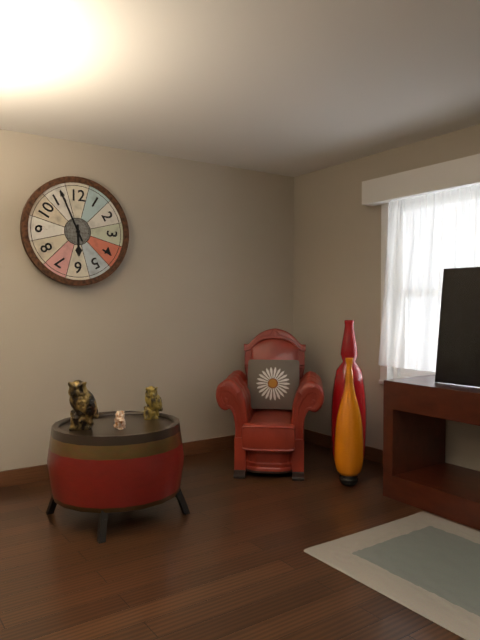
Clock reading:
**5:56**
